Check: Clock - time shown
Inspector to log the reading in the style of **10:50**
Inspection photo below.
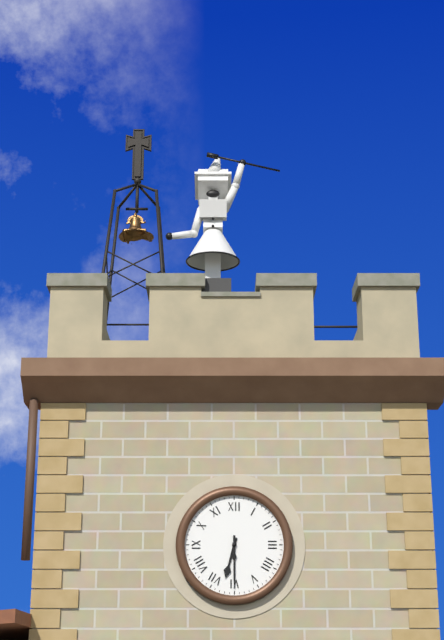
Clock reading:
**6:30**
